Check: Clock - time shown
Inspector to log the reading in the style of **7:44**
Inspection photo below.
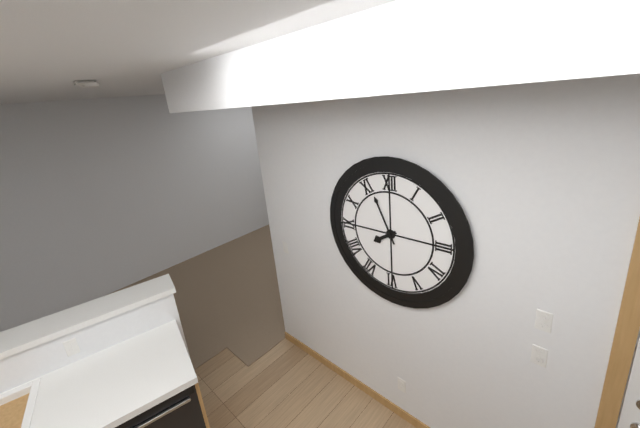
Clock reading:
**7:56**
